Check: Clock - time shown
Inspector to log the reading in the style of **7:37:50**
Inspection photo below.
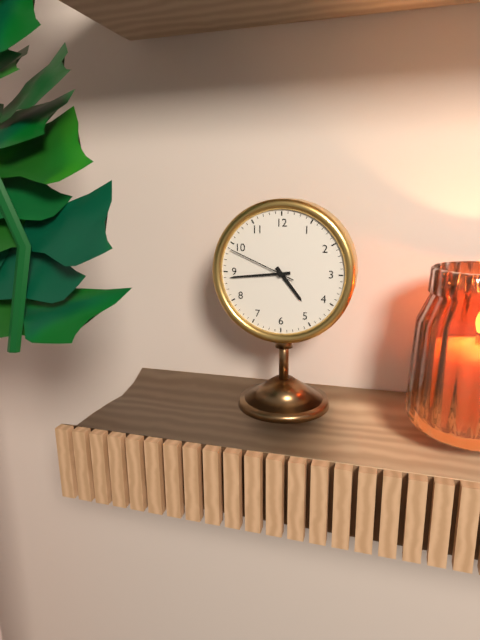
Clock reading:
**4:44:49**
